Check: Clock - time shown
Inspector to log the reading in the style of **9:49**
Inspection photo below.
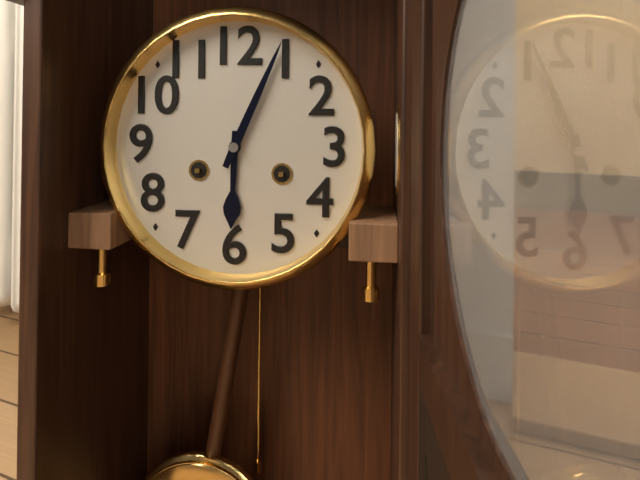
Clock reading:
**6:04**
